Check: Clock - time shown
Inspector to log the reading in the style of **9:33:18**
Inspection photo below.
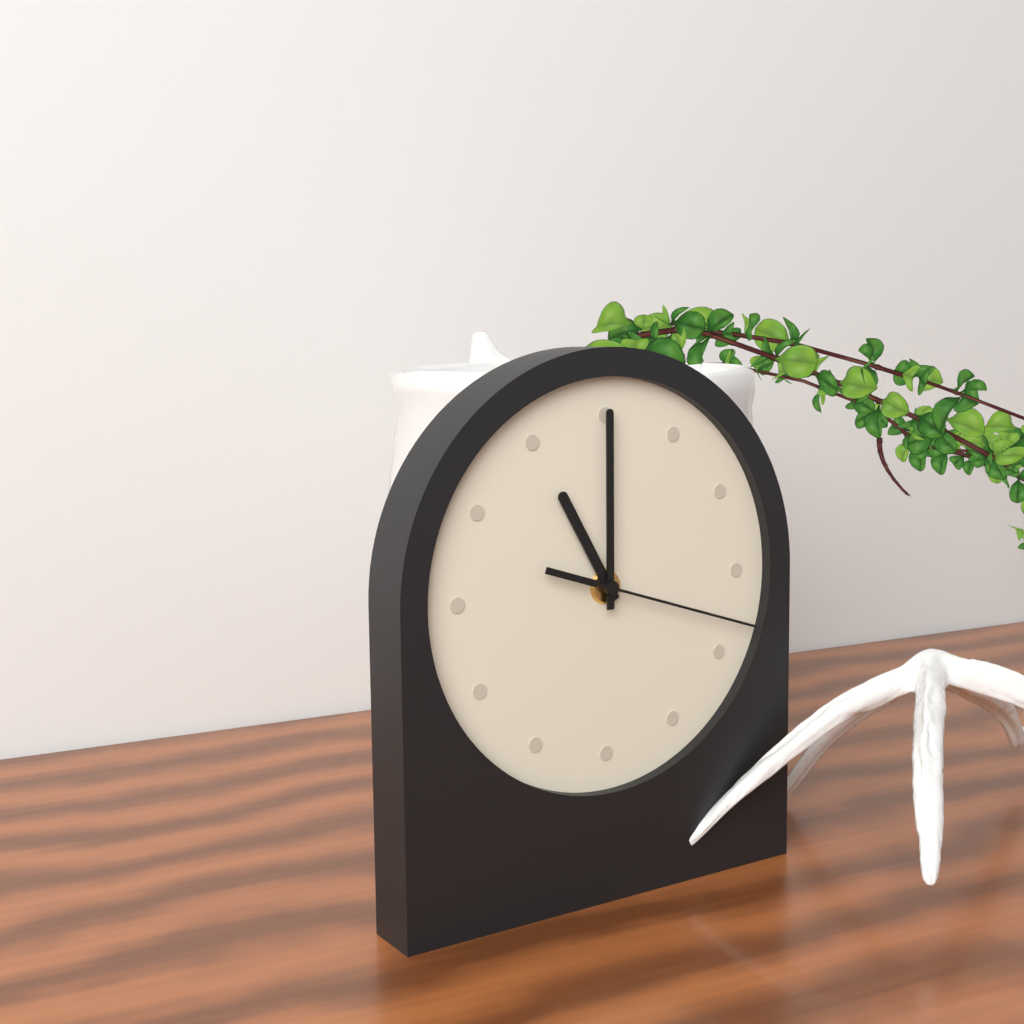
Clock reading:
**11:00:18**
